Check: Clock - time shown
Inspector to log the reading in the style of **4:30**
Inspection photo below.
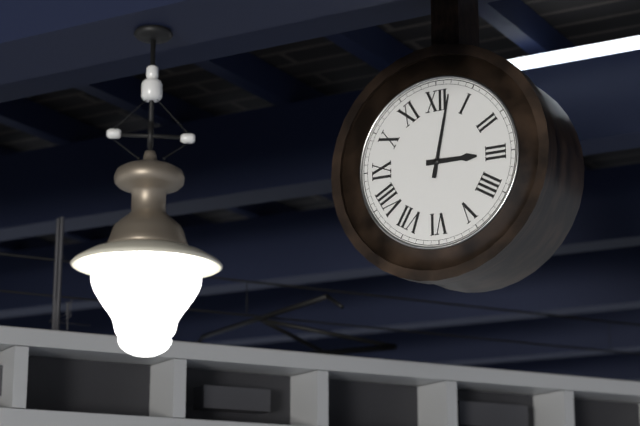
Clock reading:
**3:02**
